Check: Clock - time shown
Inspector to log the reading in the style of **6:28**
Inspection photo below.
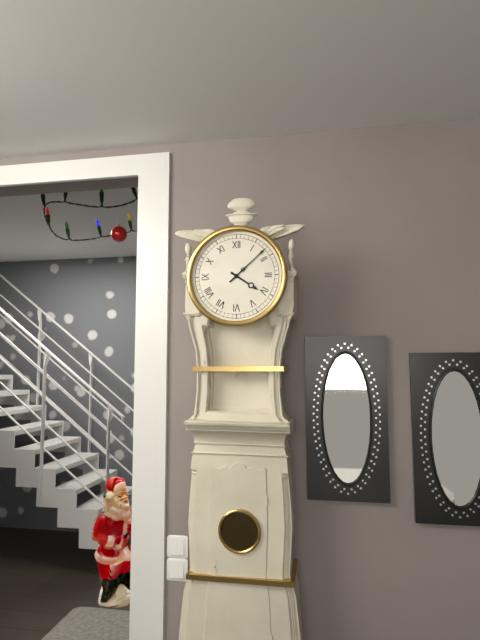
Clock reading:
**4:08**
